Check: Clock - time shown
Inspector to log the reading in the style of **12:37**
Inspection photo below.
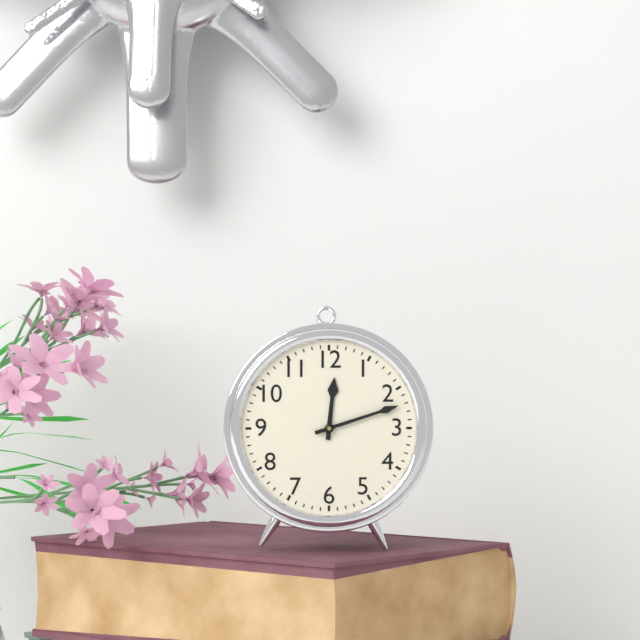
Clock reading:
**12:12**
